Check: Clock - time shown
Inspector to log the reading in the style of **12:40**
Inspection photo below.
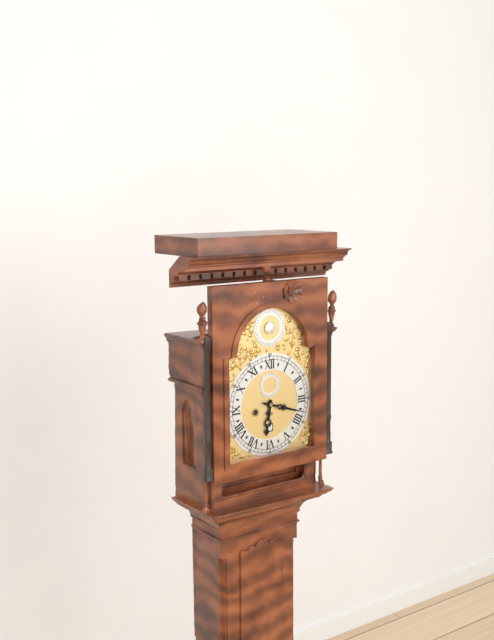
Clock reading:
**6:18**
